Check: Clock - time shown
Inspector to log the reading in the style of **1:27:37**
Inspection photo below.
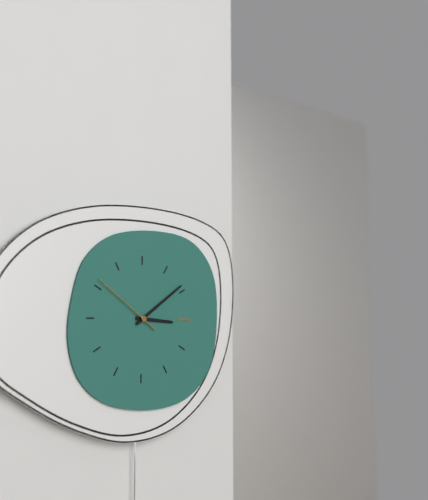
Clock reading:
**3:09:51**
